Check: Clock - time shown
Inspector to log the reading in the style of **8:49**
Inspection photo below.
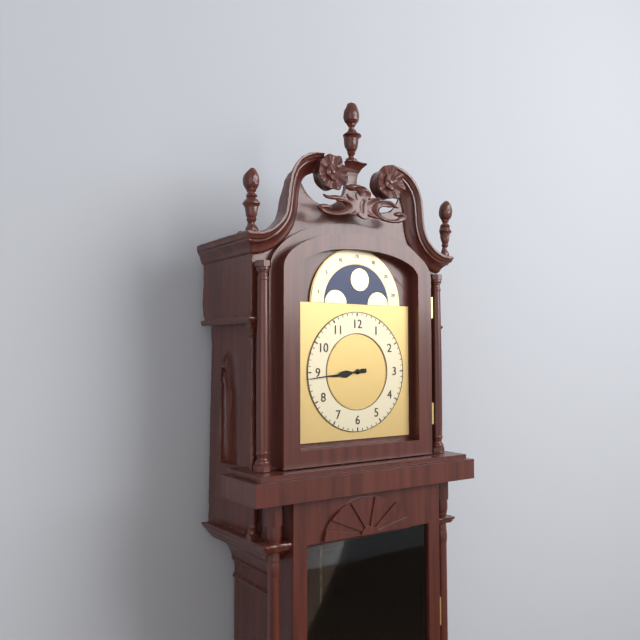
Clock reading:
**8:44**
